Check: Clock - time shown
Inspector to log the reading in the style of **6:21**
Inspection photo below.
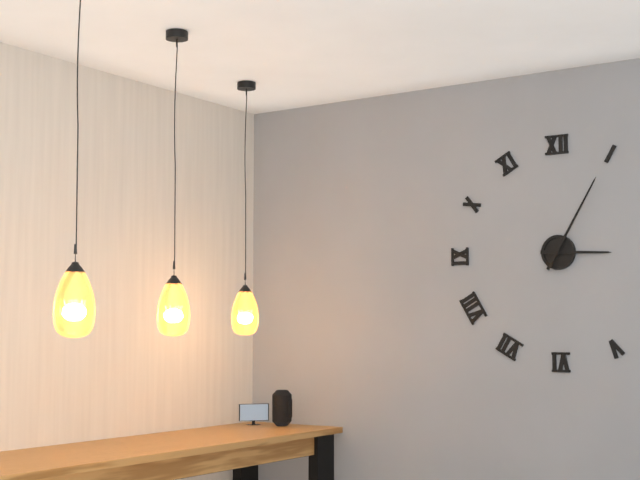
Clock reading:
**3:05**
